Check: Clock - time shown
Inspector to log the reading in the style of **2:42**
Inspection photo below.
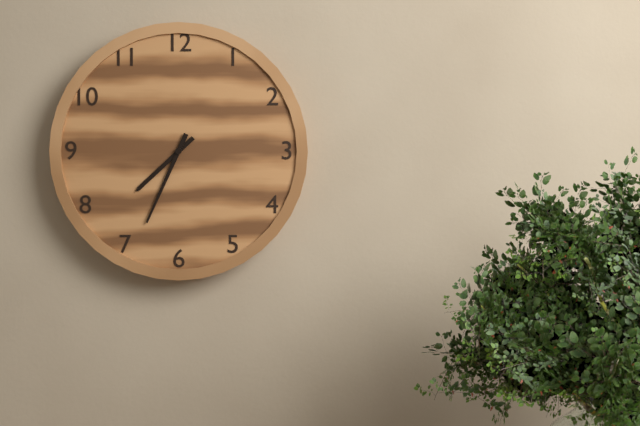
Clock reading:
**7:34**
